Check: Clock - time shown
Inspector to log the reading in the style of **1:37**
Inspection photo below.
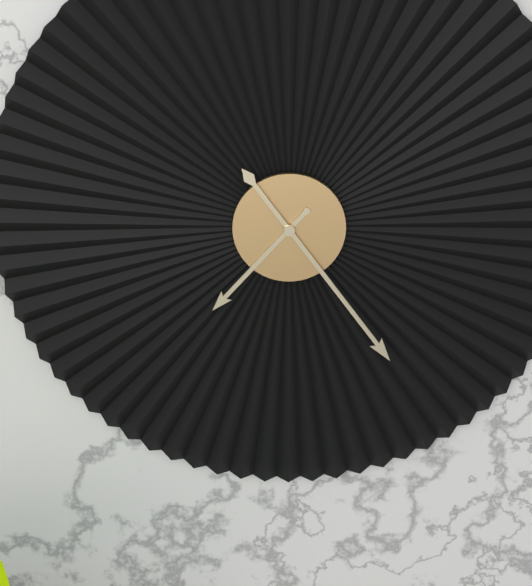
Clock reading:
**7:24**
